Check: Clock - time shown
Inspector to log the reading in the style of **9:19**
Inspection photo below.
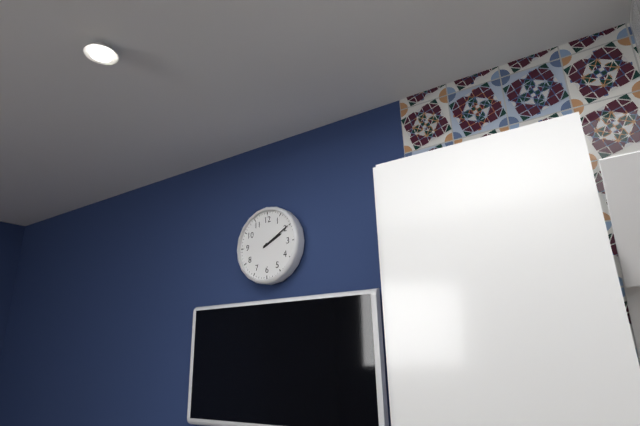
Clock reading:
**2:10**
